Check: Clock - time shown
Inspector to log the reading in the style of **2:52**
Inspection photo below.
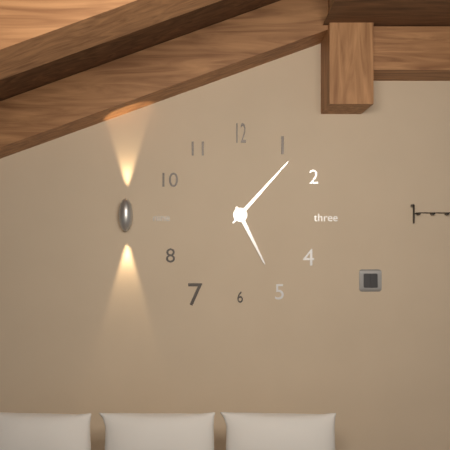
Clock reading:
**5:07**
